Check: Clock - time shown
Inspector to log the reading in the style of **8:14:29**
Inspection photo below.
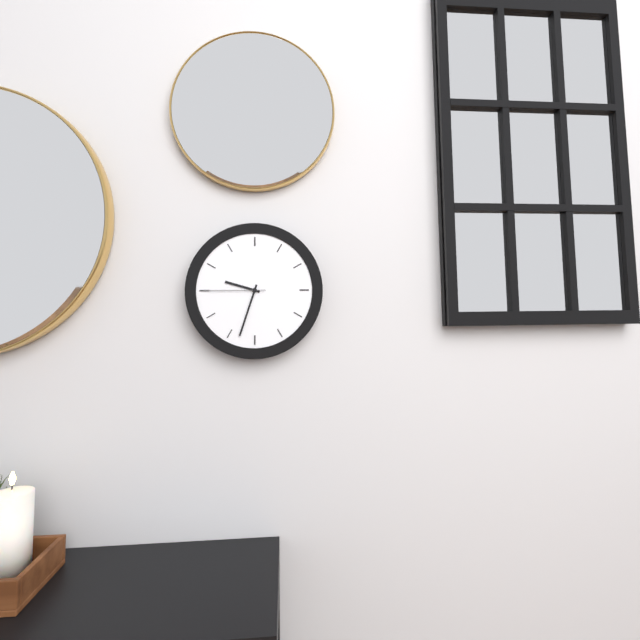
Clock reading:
**9:33:45**
